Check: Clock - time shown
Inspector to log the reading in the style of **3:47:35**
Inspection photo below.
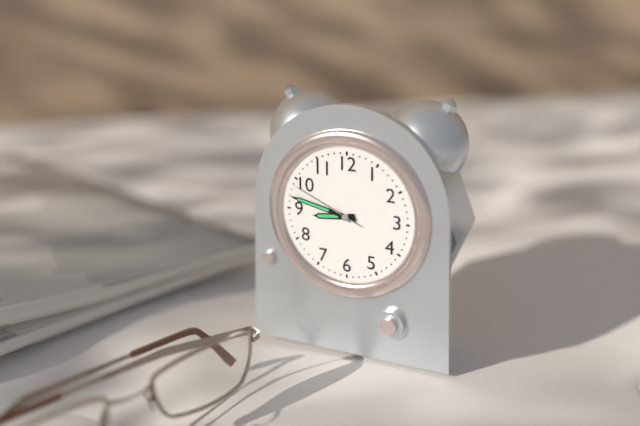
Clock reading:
**8:47:49**
